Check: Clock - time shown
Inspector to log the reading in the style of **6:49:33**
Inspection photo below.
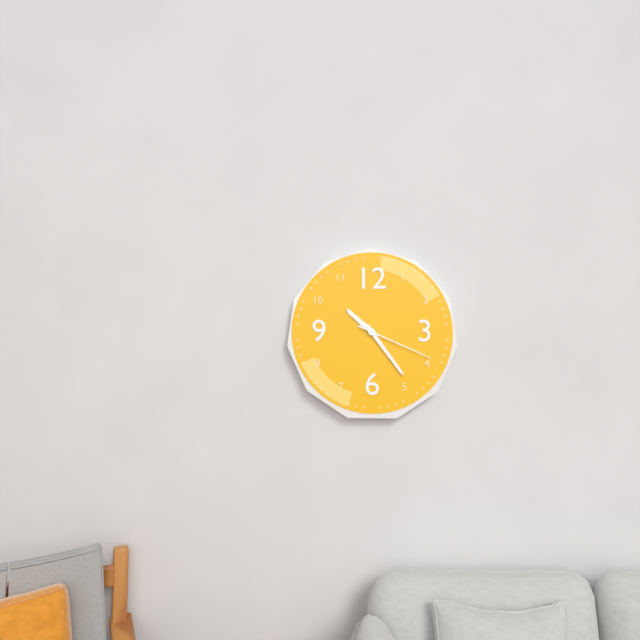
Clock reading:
**10:24:19**
